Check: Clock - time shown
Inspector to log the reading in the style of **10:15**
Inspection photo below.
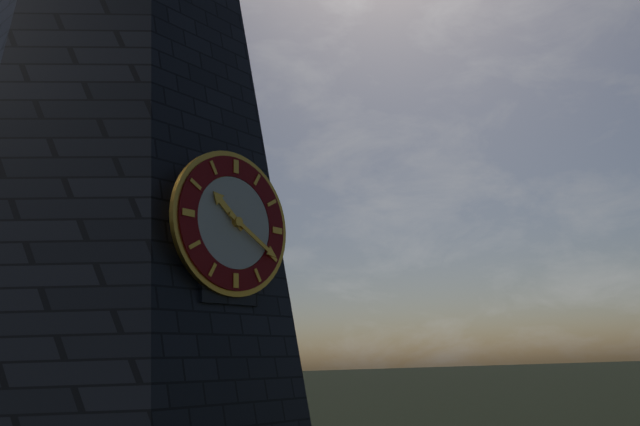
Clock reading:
**10:20**
